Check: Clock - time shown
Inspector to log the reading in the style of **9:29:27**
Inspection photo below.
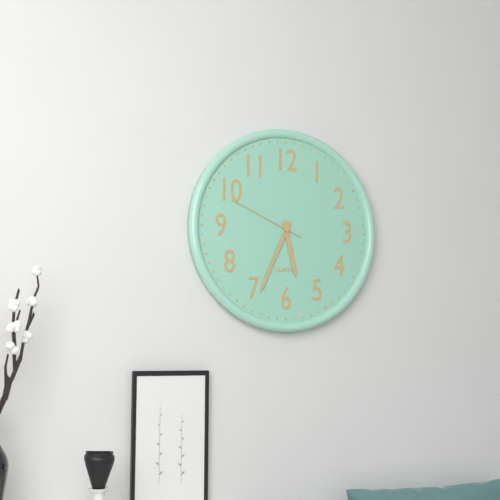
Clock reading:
**5:34:49**
